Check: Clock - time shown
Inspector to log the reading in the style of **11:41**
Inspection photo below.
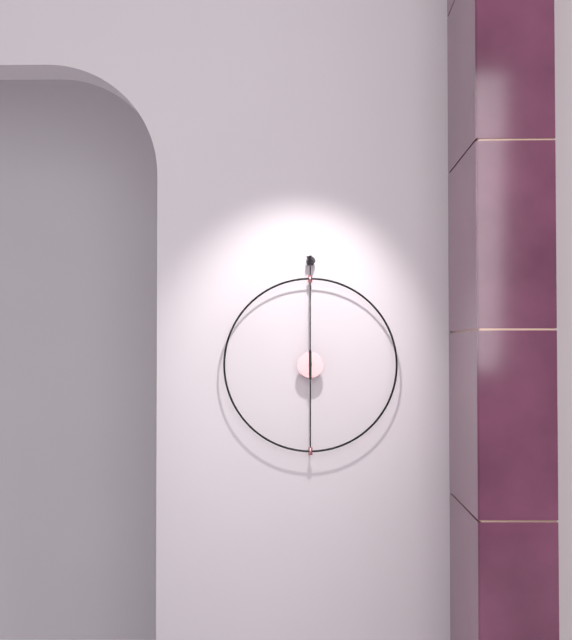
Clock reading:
**12:00**
